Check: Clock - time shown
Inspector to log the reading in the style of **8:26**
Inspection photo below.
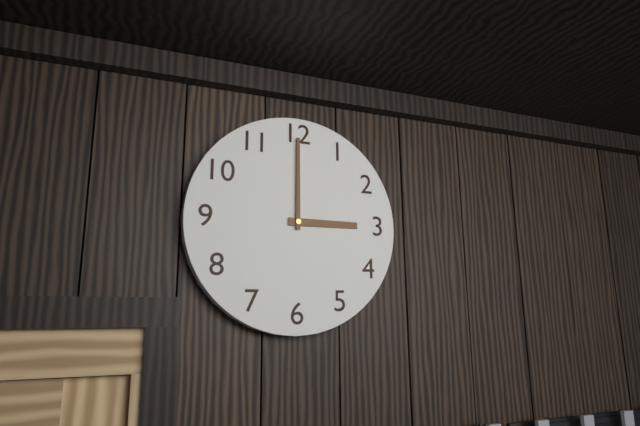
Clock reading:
**3:00**
